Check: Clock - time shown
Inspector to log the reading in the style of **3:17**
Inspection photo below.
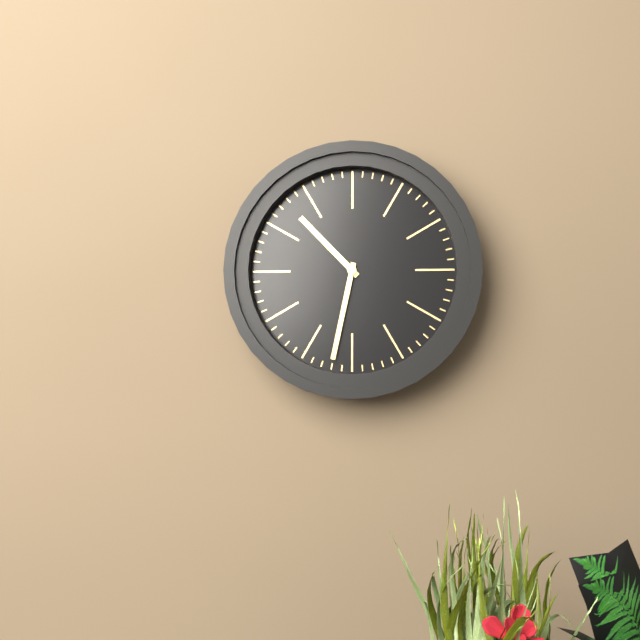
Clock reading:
**10:32**
